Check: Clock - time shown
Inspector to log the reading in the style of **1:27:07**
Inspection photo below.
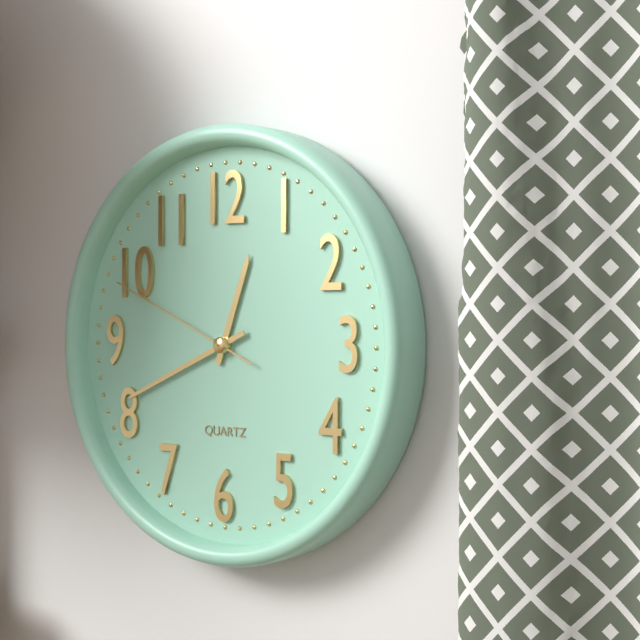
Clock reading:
**12:41:49**
